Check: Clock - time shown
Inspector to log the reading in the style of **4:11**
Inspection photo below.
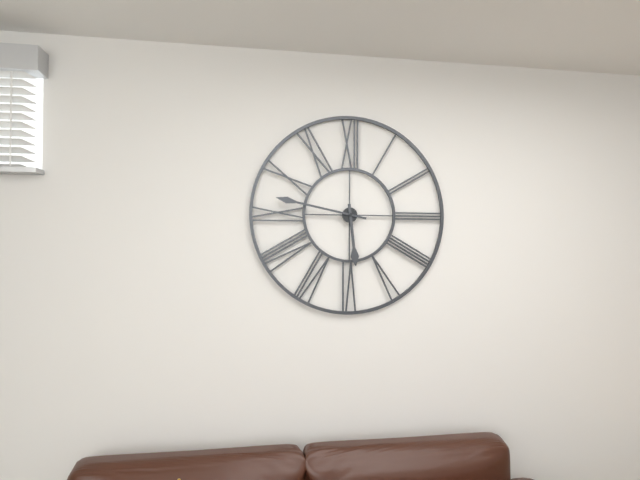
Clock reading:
**5:47**
